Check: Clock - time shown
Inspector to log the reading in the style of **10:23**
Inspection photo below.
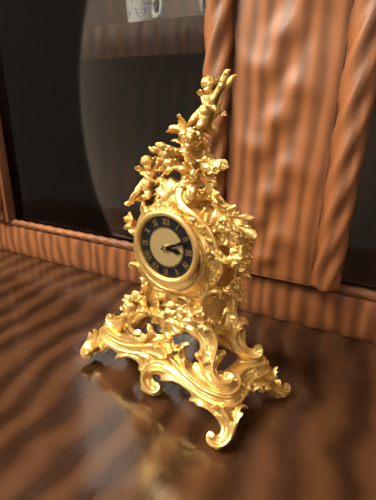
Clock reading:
**3:11**
